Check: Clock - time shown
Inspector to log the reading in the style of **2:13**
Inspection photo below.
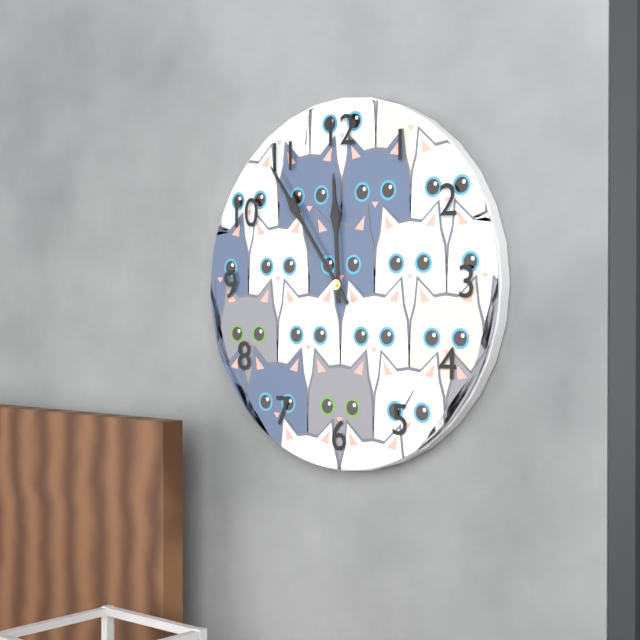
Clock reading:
**11:54**
